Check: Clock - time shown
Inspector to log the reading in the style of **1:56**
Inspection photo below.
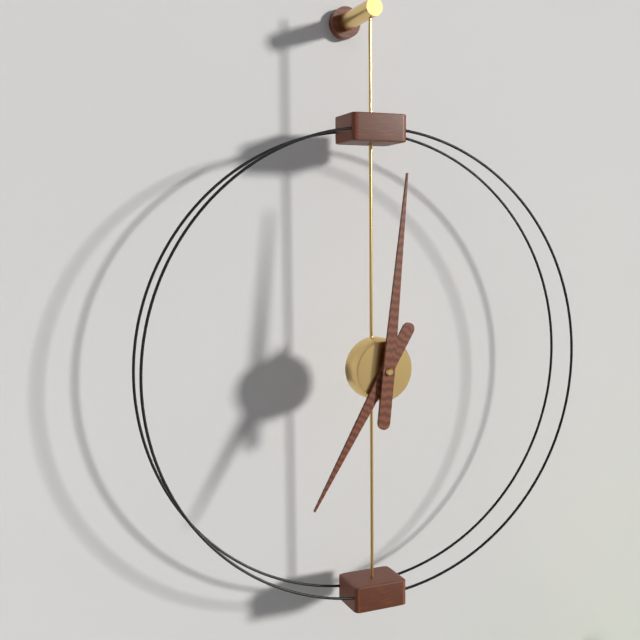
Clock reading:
**7:01**
